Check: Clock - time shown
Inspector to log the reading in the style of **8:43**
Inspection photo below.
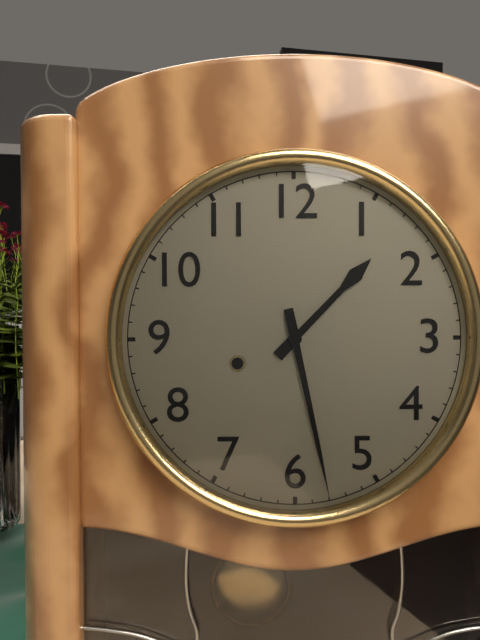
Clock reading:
**1:28**
